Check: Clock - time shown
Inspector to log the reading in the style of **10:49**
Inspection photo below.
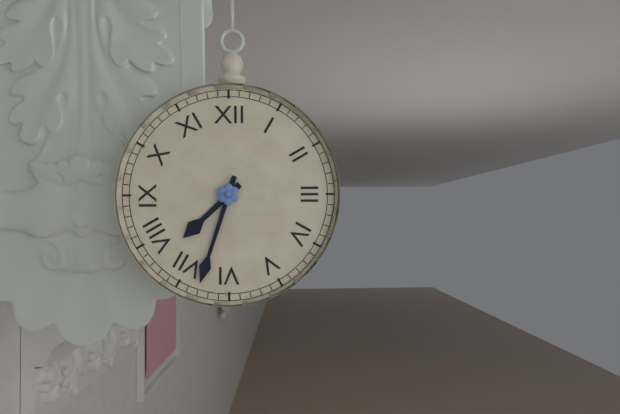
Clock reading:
**7:33**
